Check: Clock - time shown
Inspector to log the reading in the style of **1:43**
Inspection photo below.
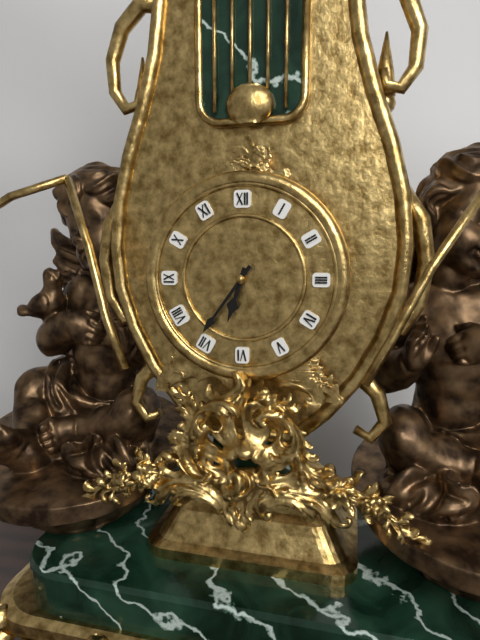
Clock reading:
**6:36**
